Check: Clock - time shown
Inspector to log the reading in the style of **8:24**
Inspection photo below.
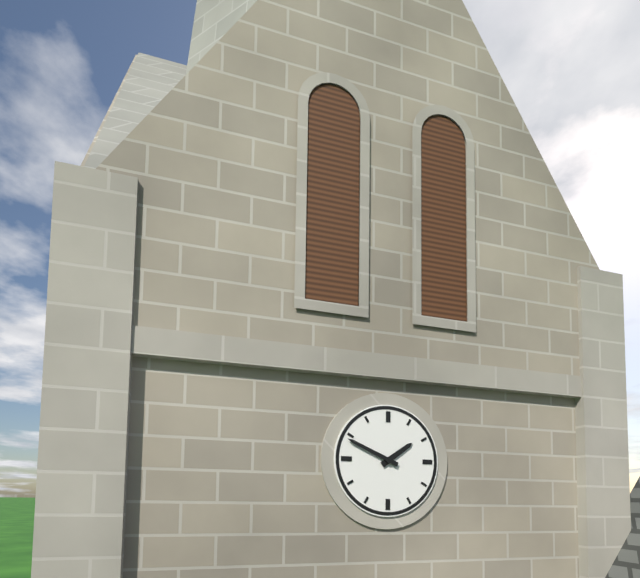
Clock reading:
**1:49**
